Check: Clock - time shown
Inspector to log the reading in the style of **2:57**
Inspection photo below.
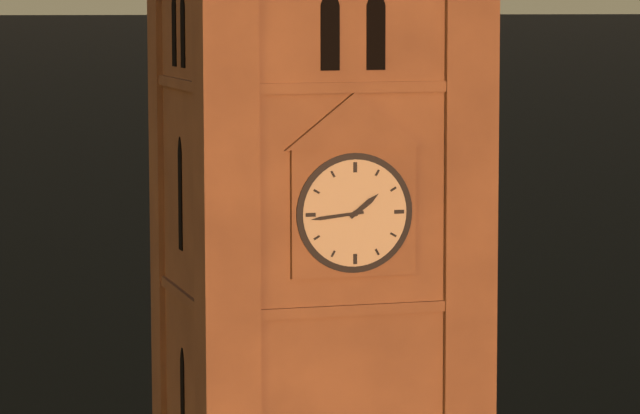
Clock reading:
**1:44**
